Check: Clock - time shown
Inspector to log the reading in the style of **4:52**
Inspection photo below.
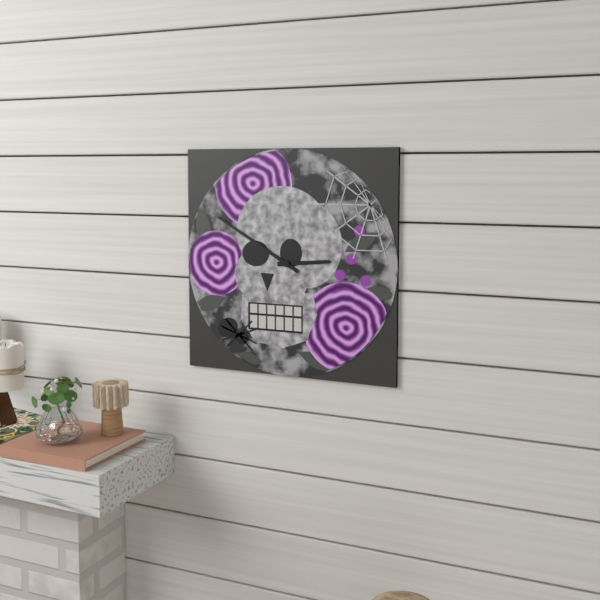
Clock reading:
**2:50**
